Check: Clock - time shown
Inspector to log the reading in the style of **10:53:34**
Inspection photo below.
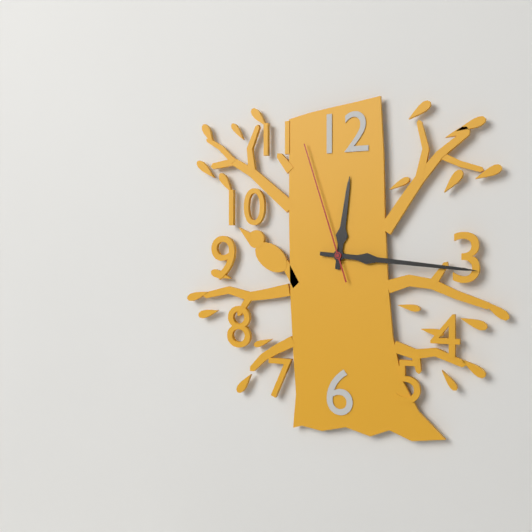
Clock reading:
**12:16:57**
